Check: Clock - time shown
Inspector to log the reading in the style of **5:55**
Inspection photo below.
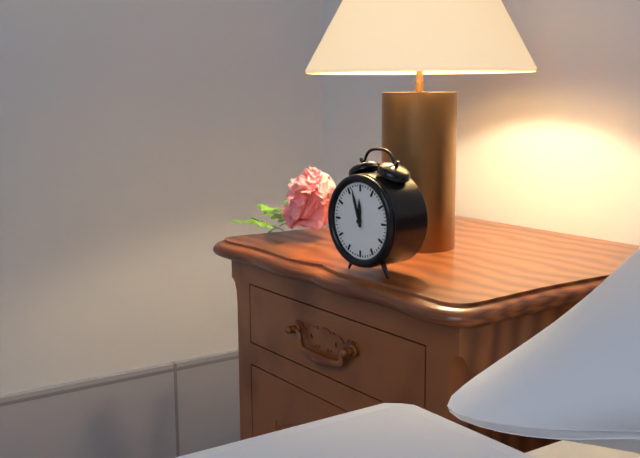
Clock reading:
**11:57**
